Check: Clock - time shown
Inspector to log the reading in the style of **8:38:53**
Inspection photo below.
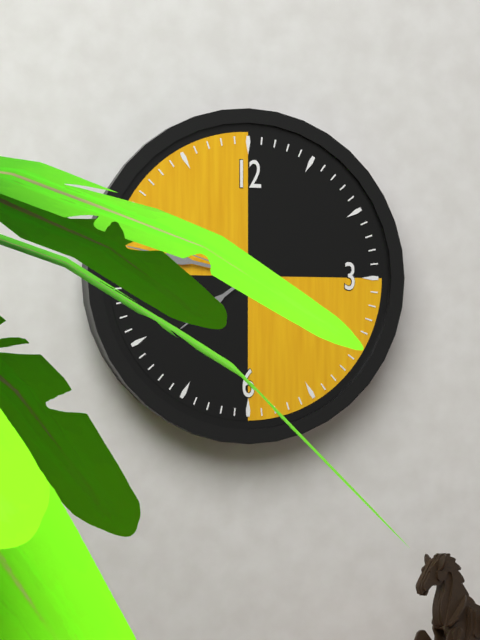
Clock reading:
**7:47:48**
